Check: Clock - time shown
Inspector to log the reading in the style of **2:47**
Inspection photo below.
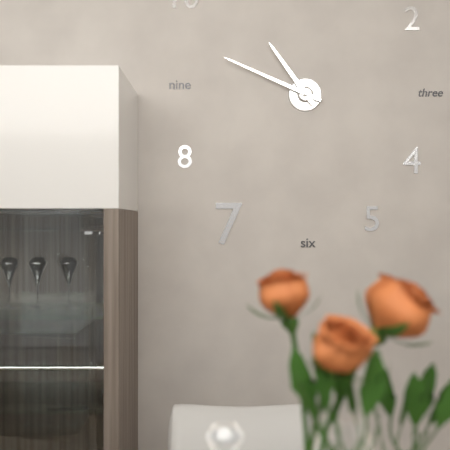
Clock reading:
**10:49**
